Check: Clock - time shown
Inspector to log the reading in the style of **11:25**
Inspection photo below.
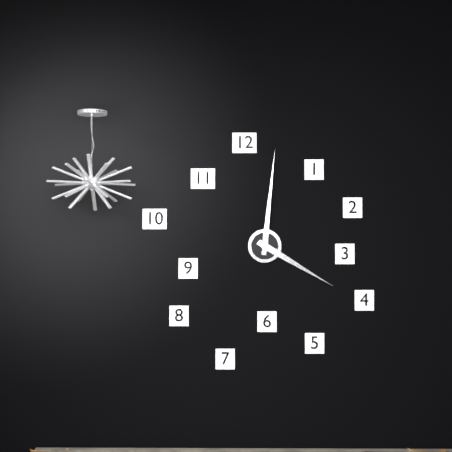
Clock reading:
**4:01**
